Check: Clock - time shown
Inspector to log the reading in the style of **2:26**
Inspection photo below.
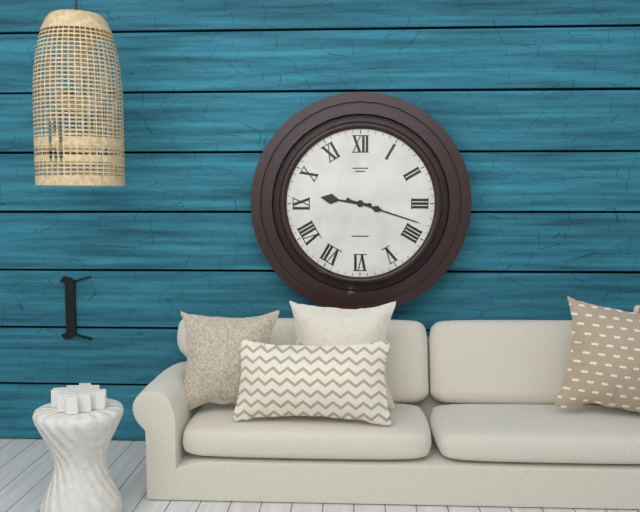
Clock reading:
**9:18**
